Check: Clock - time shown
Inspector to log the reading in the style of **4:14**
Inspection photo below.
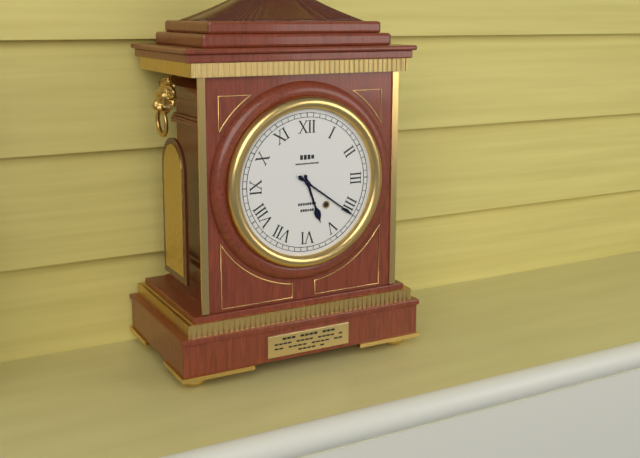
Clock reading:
**5:21**
